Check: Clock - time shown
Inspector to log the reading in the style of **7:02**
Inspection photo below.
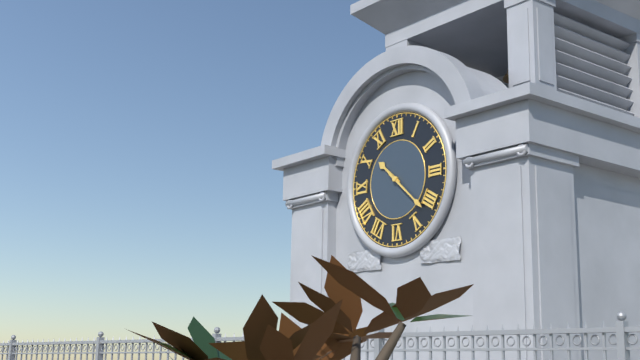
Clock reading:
**10:22**
